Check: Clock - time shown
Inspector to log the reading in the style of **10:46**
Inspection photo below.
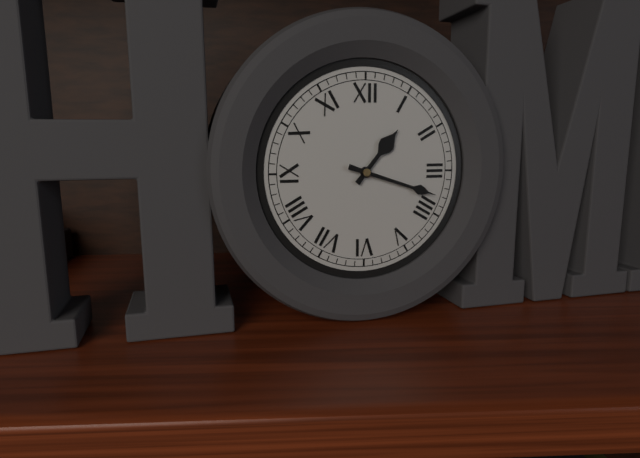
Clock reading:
**1:18**
